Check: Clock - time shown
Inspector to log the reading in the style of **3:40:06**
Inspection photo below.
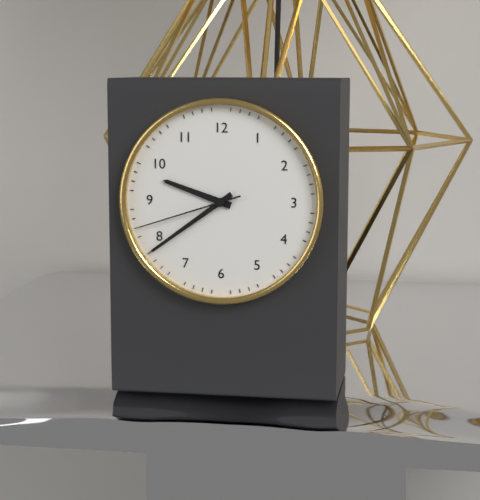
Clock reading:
**9:39:42**
